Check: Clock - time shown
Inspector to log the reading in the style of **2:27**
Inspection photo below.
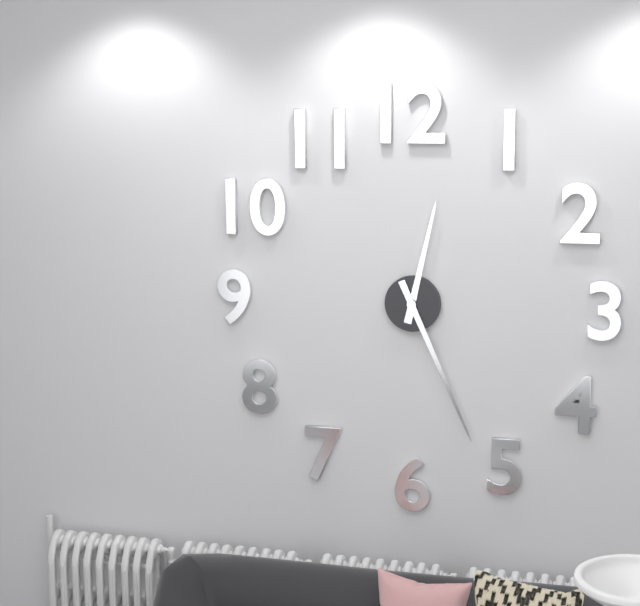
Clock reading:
**12:26**
